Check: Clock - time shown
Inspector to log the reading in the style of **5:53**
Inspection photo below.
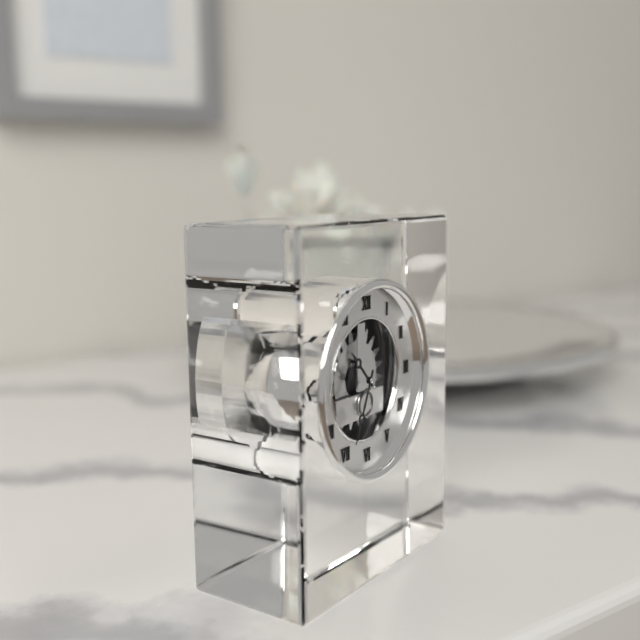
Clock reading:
**10:34**
